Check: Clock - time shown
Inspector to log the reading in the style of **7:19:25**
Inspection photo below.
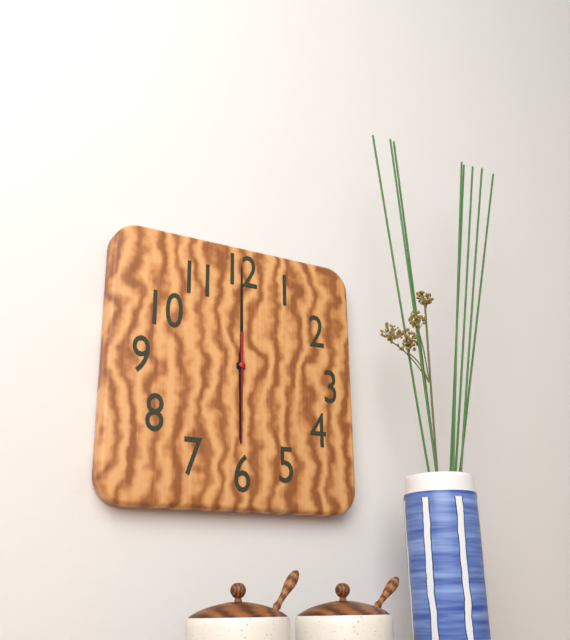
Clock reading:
**6:00:30**
